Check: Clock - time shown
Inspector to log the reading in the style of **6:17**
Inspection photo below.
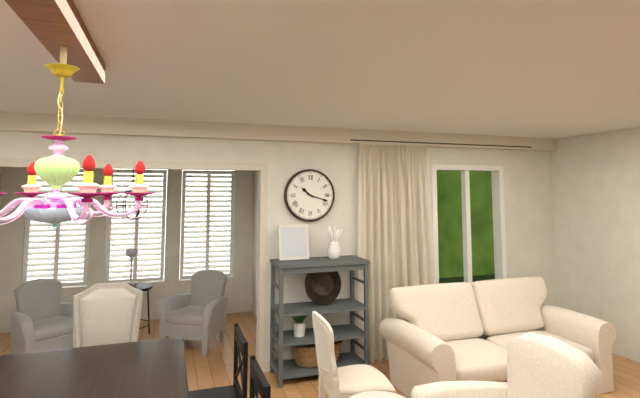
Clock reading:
**10:18**
